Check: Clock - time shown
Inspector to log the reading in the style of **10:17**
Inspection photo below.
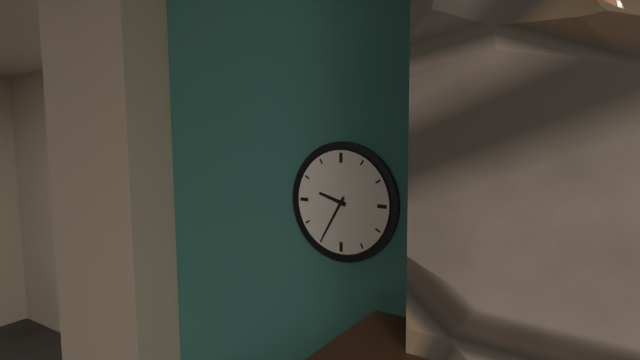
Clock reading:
**9:35**
